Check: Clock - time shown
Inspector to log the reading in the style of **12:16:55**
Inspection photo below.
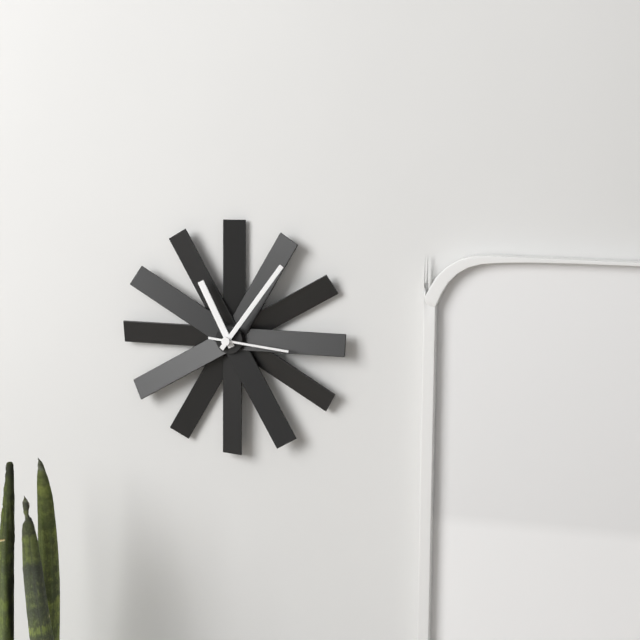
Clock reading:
**11:06:16**
